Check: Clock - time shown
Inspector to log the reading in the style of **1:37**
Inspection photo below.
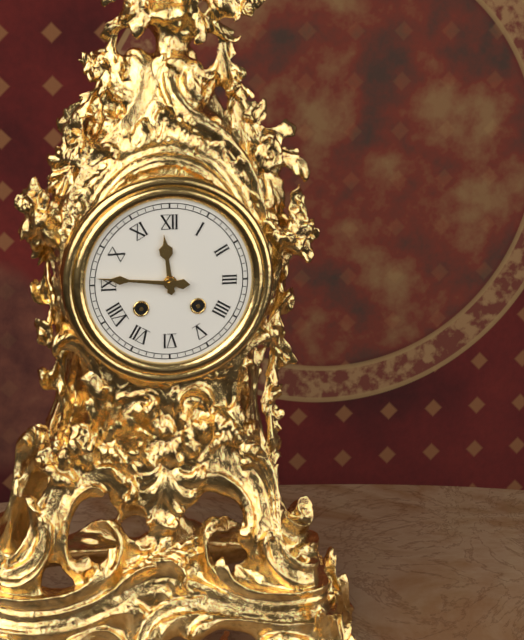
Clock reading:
**11:46**
